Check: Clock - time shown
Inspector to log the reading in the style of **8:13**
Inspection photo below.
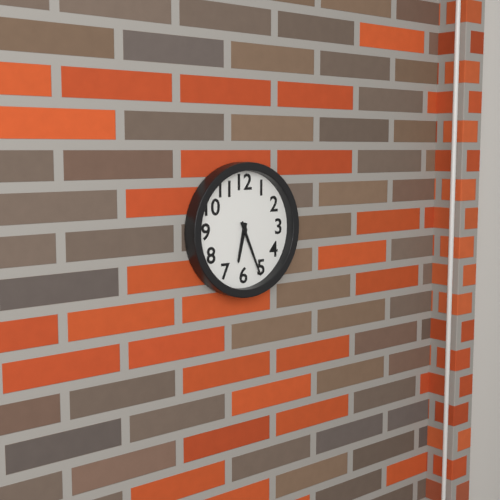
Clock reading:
**6:26**
